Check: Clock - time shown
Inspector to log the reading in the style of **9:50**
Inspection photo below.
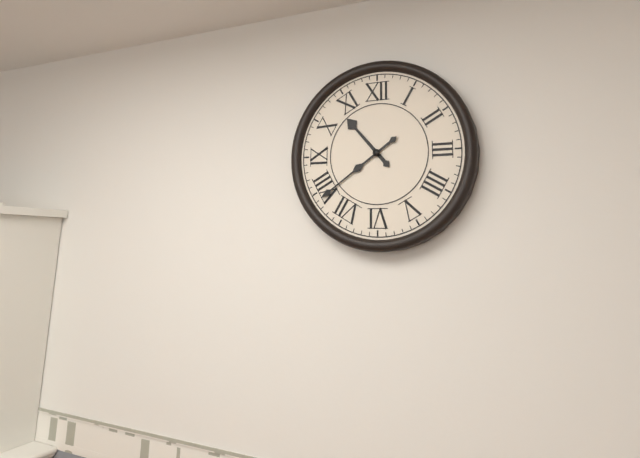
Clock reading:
**10:39**
